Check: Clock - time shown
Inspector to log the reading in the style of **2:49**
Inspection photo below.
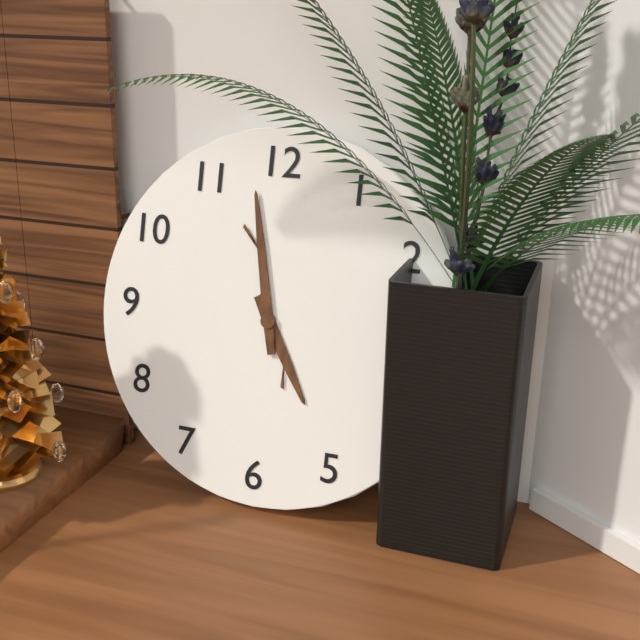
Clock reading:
**4:58**
